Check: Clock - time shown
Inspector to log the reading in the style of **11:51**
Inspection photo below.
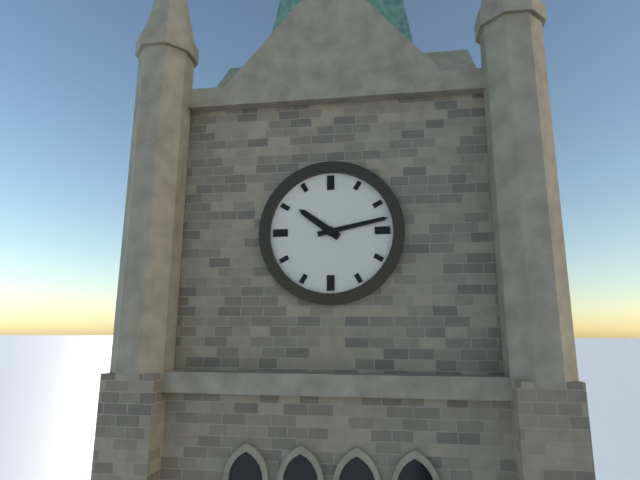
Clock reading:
**10:13**
